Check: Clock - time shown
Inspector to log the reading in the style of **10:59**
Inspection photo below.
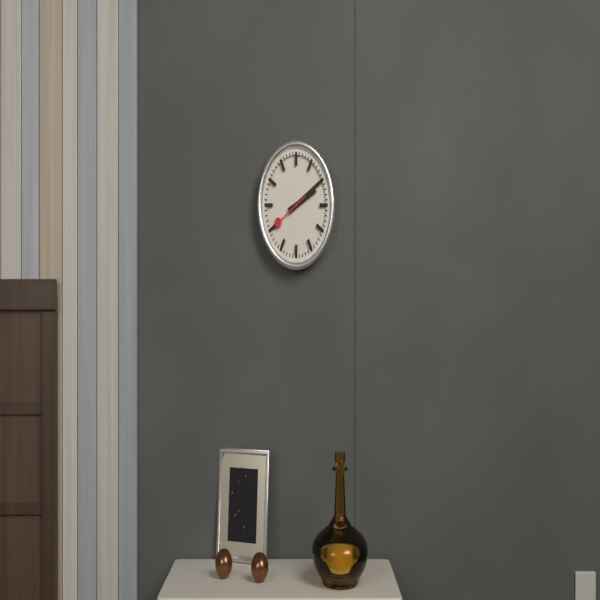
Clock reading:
**2:10**
